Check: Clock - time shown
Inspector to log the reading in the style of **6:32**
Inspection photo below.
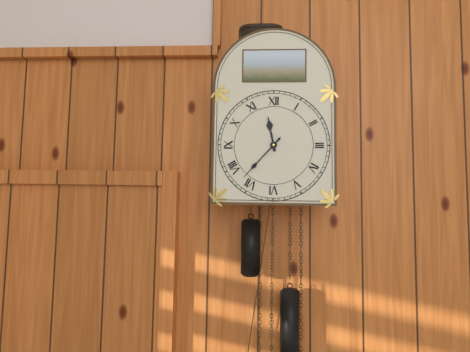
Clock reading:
**11:37**
